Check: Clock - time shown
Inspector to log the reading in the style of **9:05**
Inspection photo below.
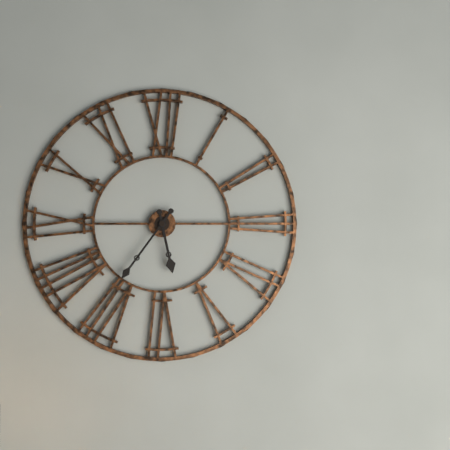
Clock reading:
**5:36**
